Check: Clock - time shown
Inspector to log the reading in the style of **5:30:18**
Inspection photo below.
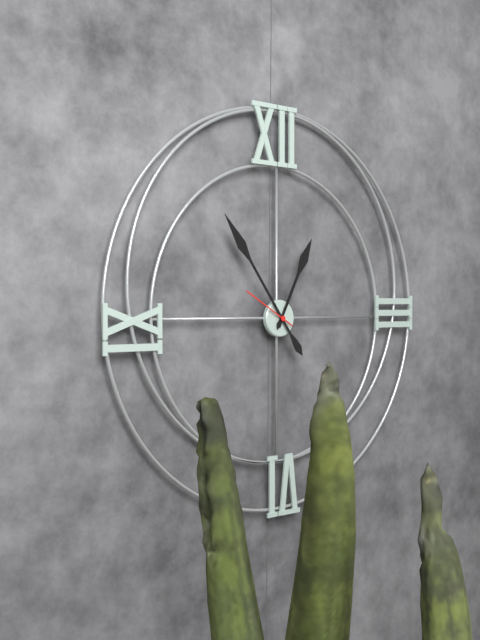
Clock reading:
**12:54:50**
